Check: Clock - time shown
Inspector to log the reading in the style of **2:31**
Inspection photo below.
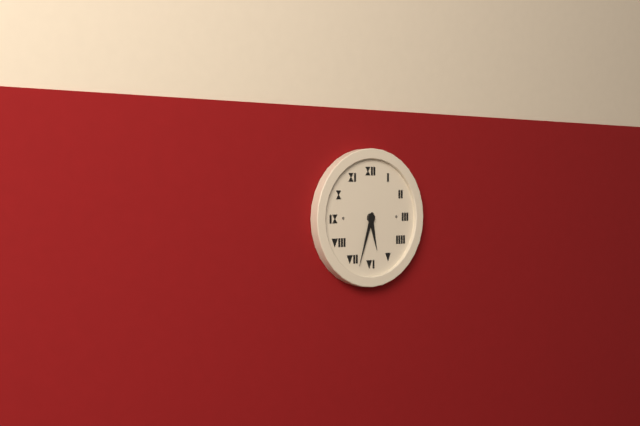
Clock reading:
**5:33**
